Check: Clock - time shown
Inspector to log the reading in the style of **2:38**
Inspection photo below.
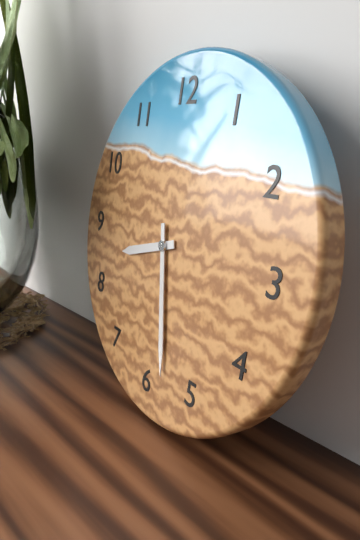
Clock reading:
**8:28**
